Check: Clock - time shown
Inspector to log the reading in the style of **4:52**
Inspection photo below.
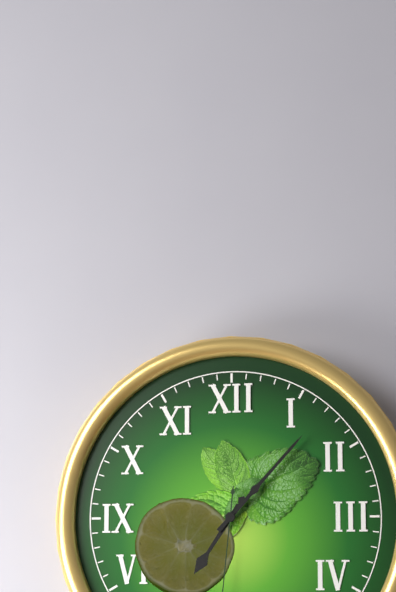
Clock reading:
**7:07**
